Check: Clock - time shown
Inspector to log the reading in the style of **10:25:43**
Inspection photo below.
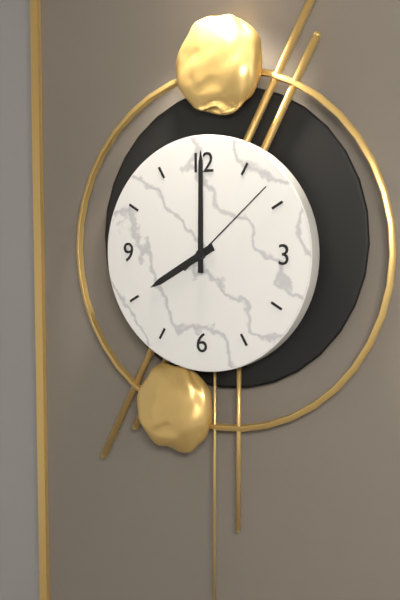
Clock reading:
**8:00:08**
